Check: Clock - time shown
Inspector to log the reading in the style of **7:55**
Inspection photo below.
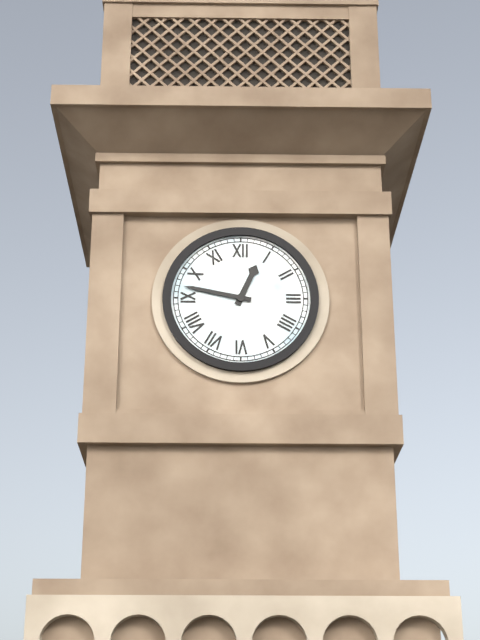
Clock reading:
**12:47**
